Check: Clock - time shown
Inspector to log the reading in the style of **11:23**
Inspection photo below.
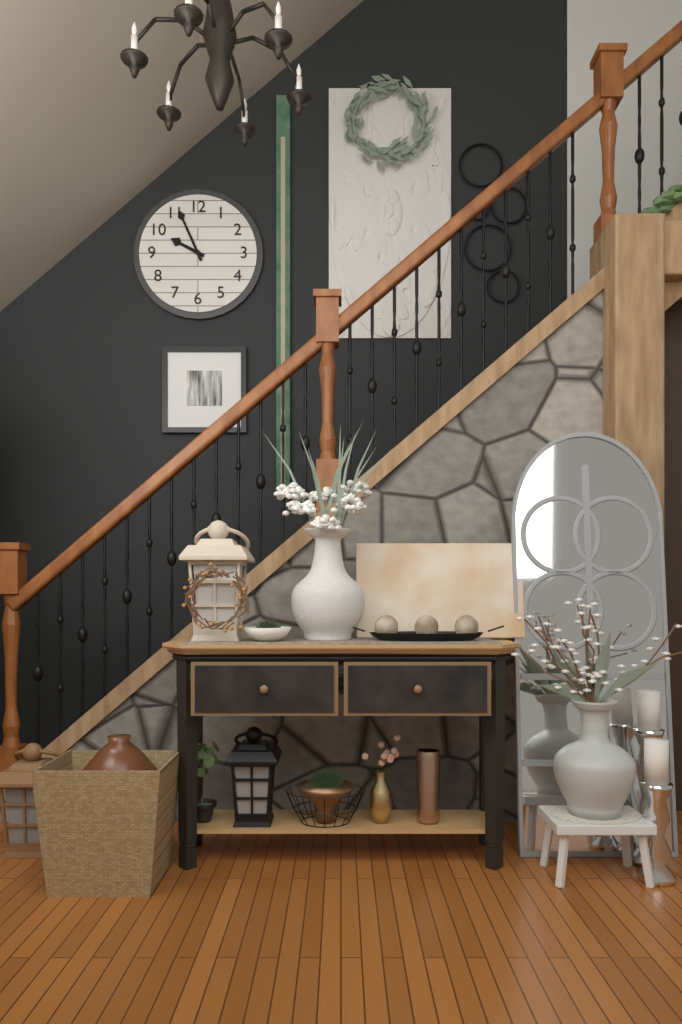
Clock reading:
**9:56**
